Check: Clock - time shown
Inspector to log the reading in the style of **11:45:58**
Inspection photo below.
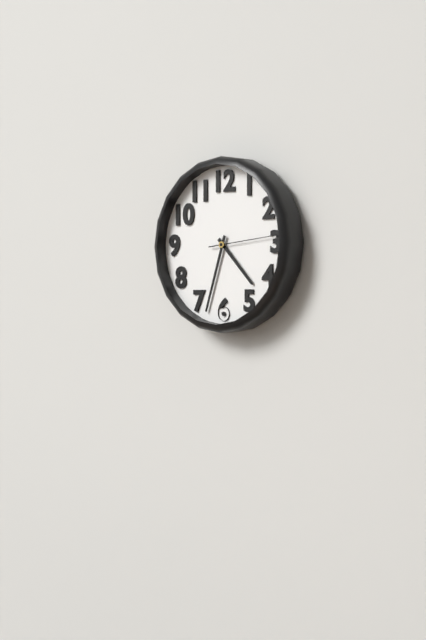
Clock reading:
**4:33:14**
